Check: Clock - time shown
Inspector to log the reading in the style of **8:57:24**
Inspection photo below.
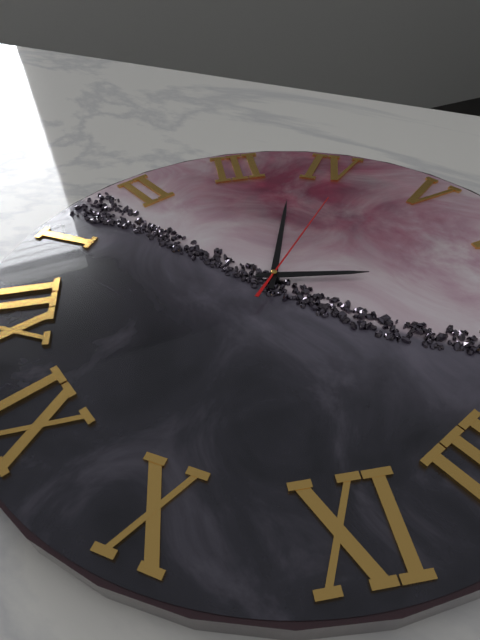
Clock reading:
**6:18:21**
